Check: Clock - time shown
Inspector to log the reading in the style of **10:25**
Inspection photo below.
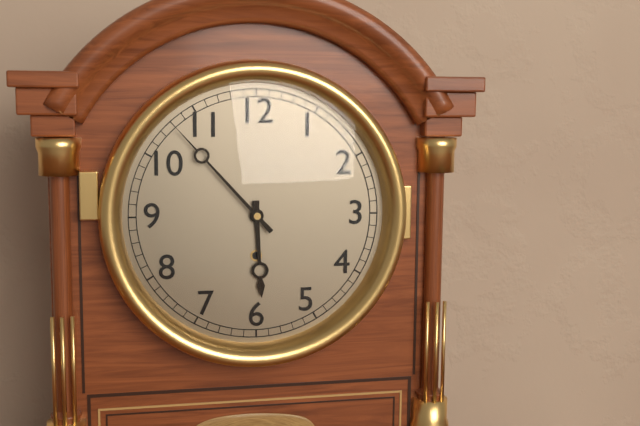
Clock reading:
**5:53**
